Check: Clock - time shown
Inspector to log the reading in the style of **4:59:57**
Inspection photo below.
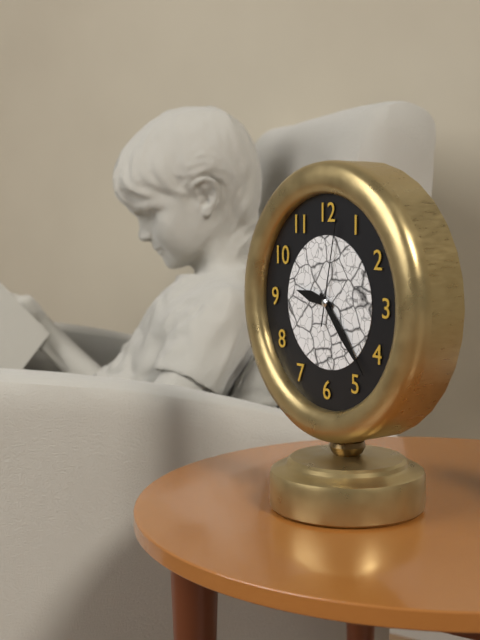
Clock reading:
**9:23:02**
